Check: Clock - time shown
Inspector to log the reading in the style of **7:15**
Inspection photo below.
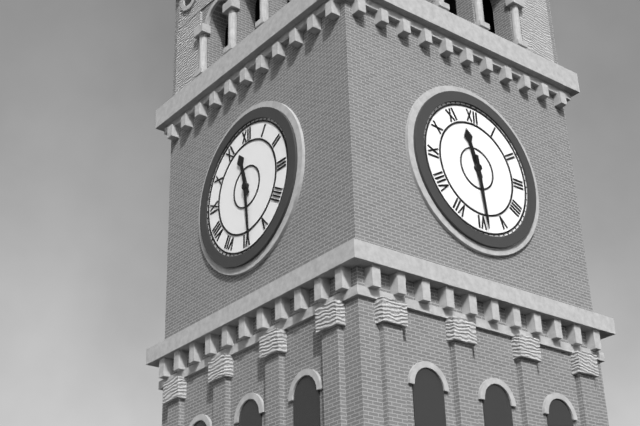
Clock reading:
**11:29**
